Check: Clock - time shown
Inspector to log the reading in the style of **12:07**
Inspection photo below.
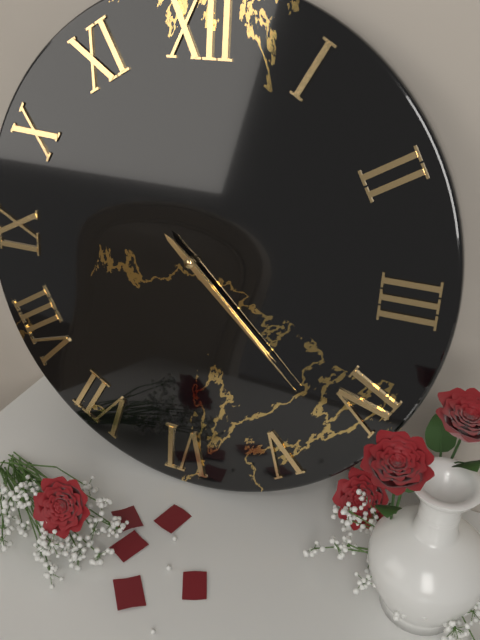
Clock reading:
**4:22**
